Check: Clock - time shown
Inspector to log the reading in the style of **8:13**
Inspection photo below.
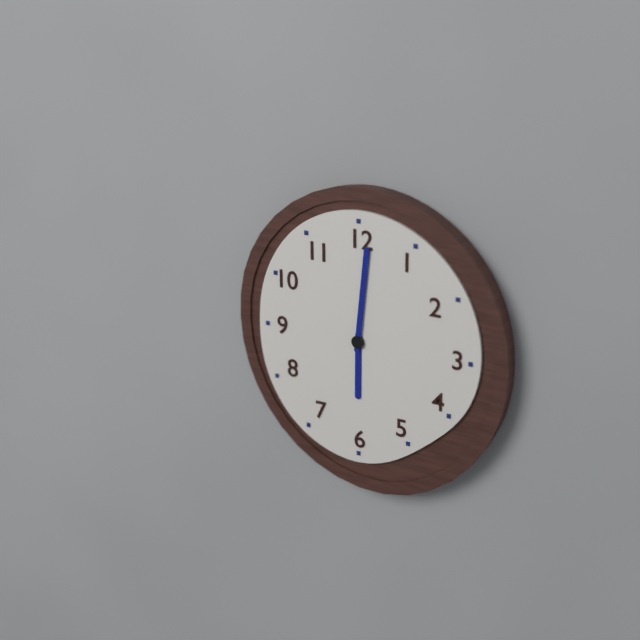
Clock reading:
**6:01**
